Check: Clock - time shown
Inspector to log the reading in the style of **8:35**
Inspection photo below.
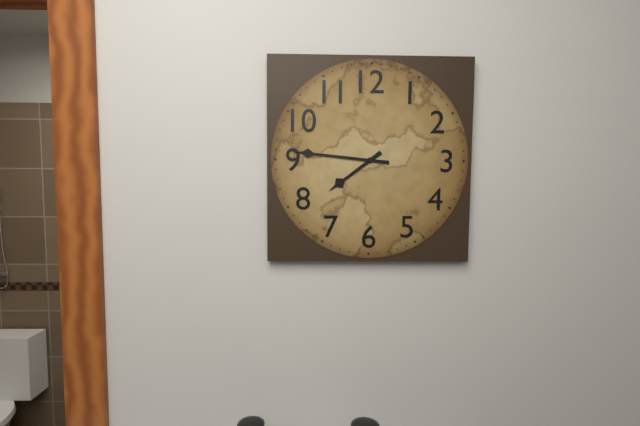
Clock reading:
**7:46**
